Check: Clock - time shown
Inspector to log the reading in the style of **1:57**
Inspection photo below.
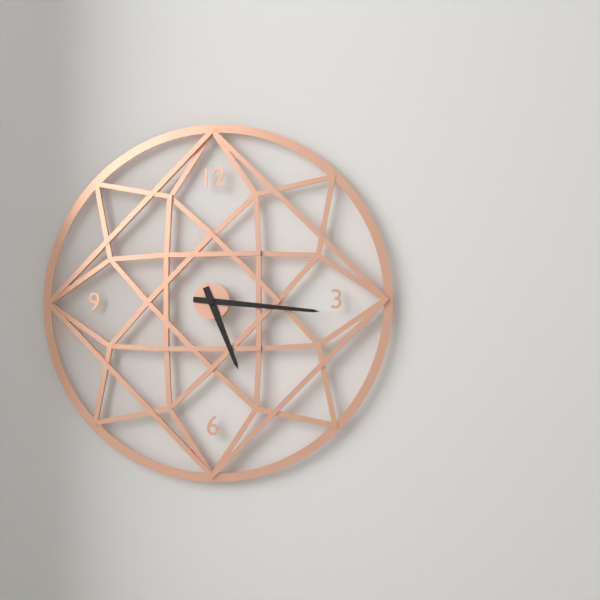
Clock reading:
**5:16**
